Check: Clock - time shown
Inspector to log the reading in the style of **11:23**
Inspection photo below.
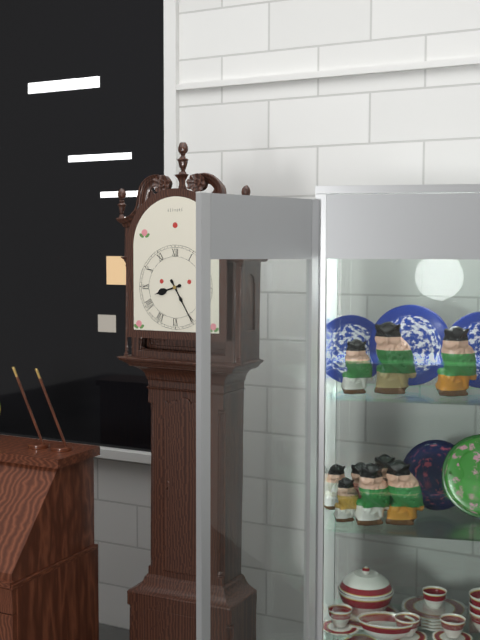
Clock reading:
**8:25**
